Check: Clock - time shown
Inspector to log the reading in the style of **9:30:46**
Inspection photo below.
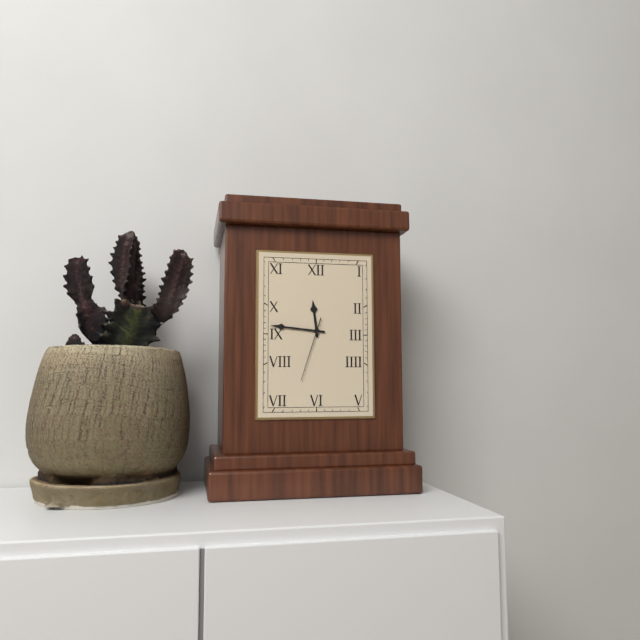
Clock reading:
**11:46:33**
